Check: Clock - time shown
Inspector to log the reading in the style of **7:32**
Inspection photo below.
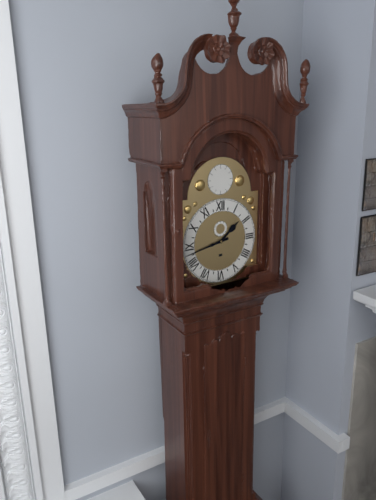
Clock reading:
**1:43**
